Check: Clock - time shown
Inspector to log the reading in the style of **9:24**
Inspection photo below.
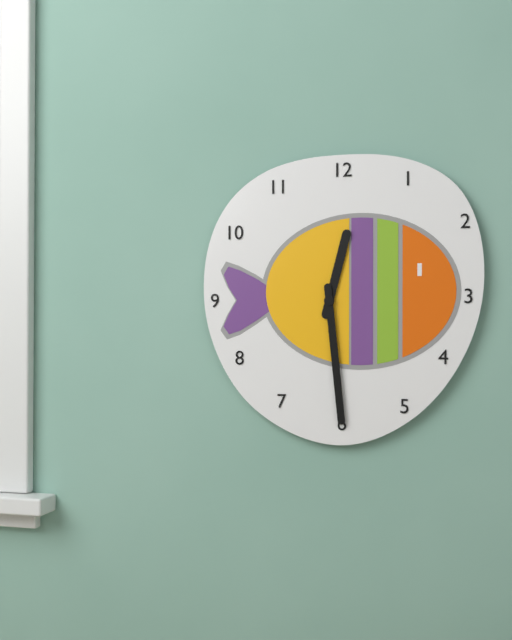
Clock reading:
**12:29**
